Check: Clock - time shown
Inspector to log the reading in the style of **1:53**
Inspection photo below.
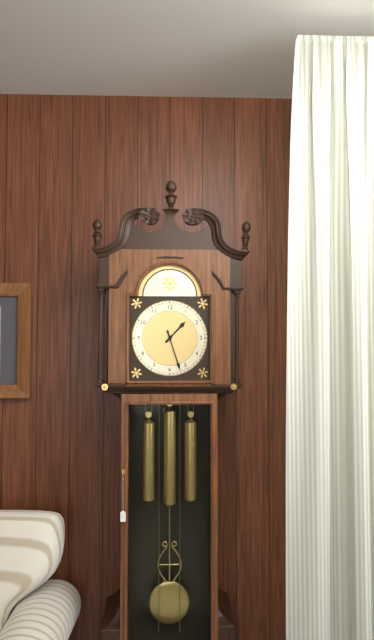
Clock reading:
**1:27**
